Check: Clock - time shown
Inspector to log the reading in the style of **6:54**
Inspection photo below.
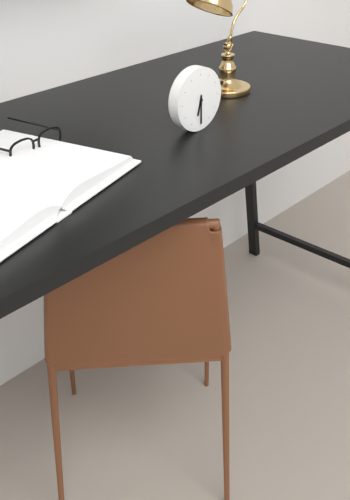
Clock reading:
**6:30**
